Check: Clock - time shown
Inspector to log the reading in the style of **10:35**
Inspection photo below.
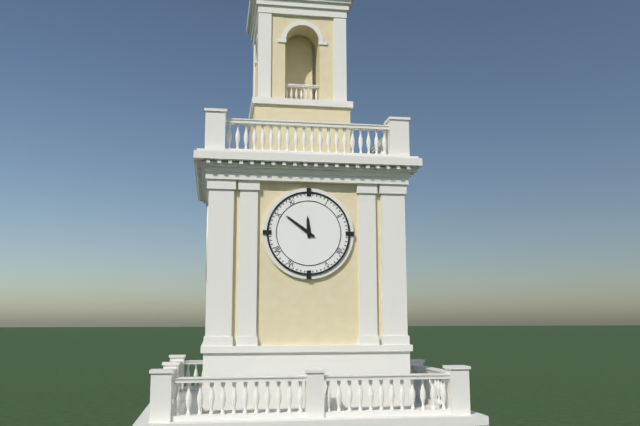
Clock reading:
**11:51**
